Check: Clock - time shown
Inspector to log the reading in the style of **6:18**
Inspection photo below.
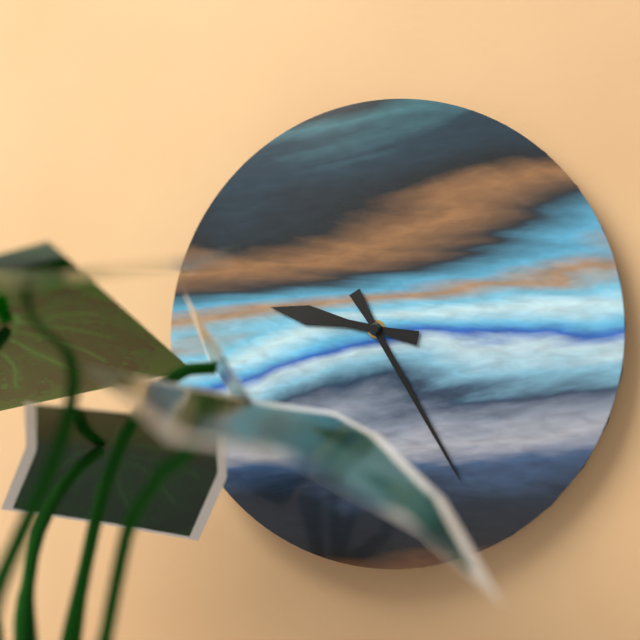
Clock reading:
**9:25**
